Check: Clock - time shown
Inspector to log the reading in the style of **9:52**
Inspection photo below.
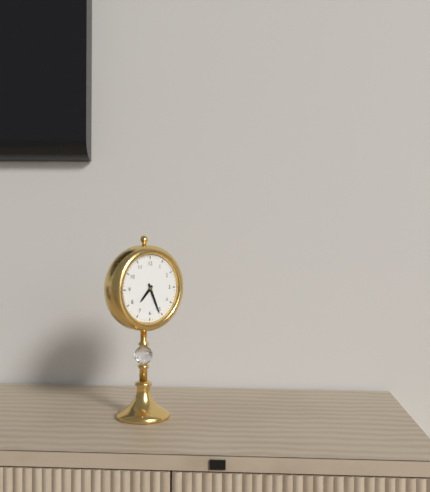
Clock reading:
**7:26**
